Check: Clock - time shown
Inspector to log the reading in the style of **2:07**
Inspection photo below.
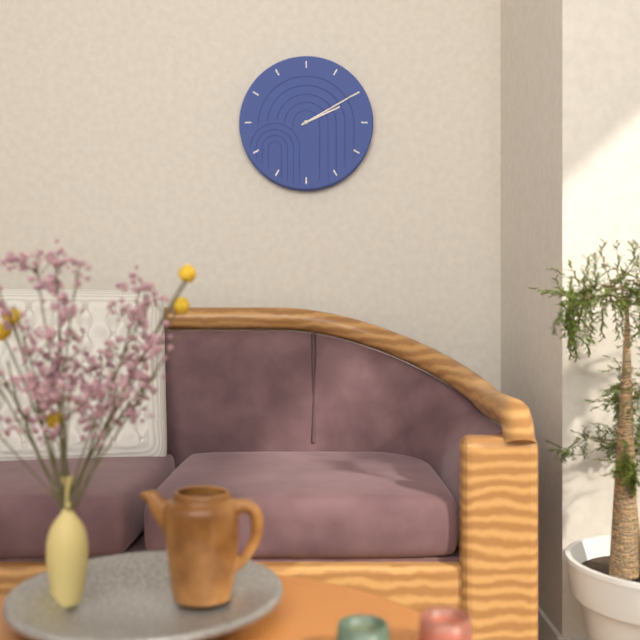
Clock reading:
**2:10**
